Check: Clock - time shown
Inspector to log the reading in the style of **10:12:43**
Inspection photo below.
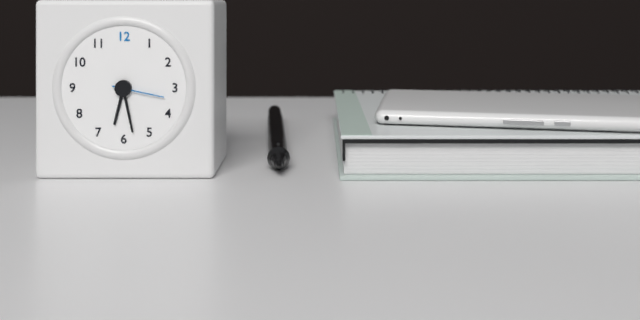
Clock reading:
**6:28:17**
